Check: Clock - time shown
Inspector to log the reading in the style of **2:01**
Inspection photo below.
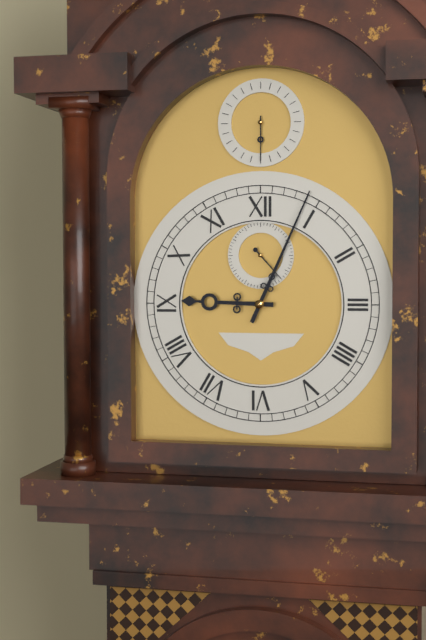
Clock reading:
**9:04**
